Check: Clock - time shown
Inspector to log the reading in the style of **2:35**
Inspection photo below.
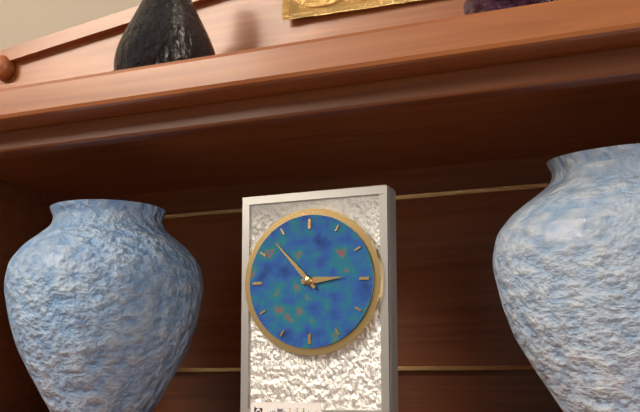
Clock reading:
**2:53**
